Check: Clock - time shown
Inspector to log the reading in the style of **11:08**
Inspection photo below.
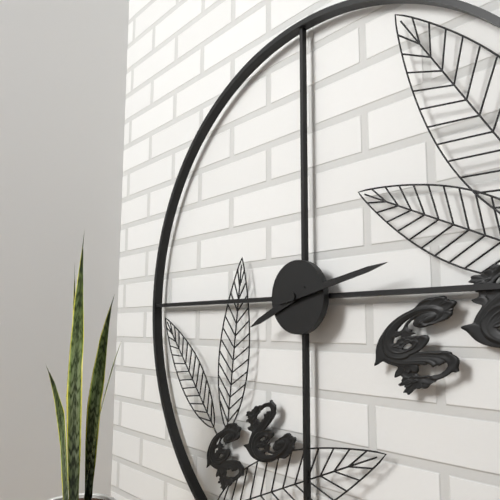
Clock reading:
**8:13**
